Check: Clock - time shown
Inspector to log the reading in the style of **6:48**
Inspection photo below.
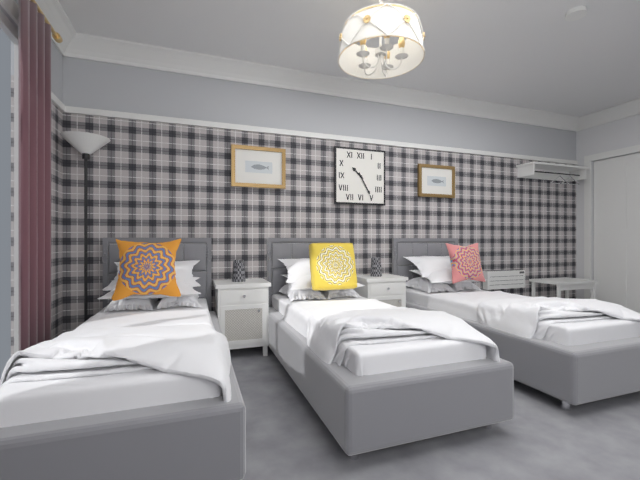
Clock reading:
**10:25**
